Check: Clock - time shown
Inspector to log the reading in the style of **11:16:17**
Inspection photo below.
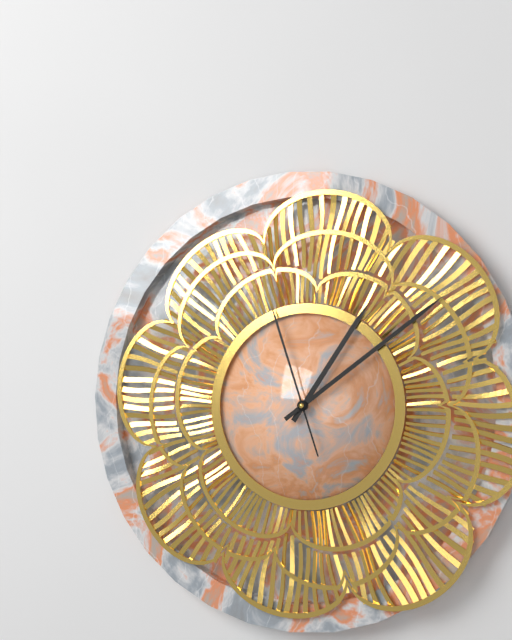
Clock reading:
**1:09:57**
